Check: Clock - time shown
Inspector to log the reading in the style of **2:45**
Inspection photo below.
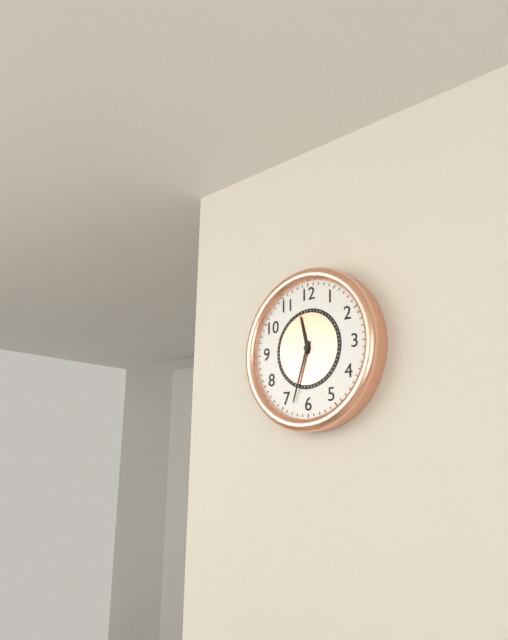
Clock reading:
**11:33**
